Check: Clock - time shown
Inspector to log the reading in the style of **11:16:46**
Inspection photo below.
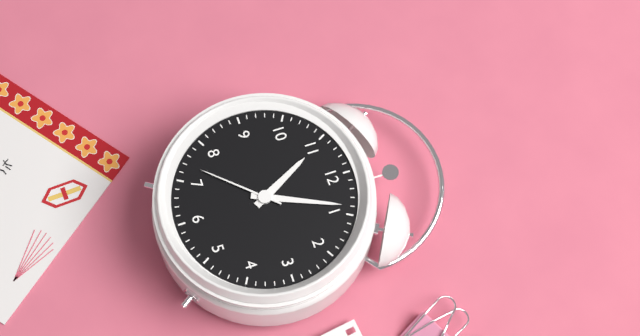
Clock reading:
**11:04:37**
